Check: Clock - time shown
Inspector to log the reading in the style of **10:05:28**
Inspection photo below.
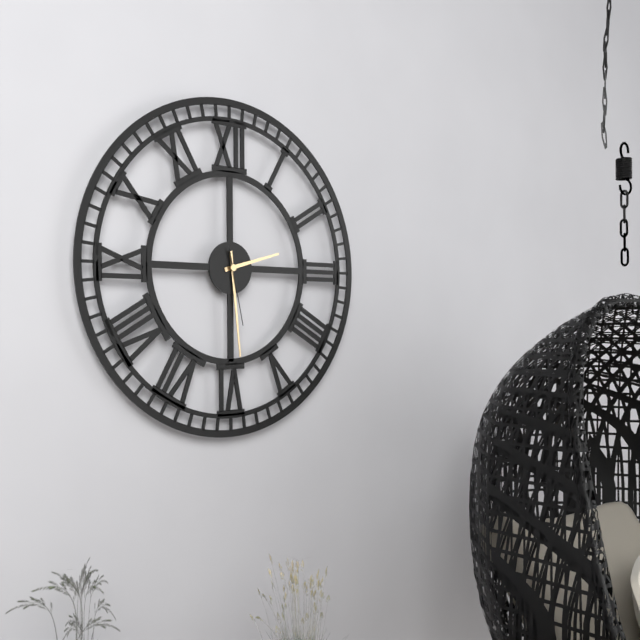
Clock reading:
**2:29:28**
